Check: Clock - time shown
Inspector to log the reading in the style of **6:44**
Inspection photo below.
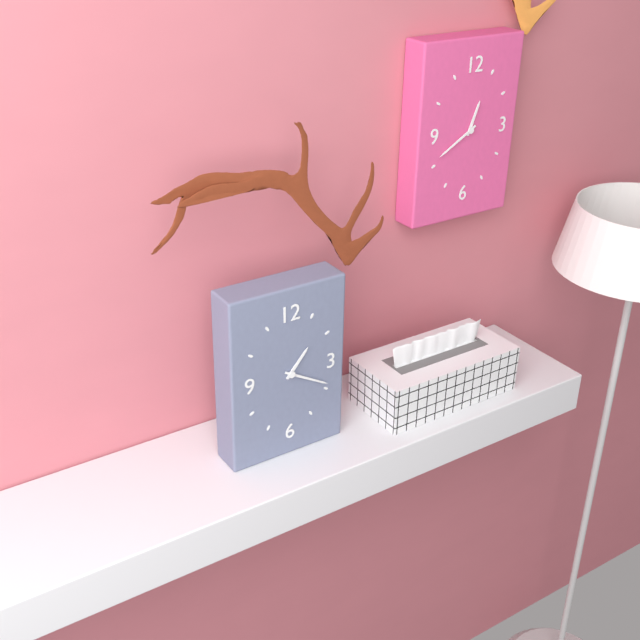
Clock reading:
**1:20**
